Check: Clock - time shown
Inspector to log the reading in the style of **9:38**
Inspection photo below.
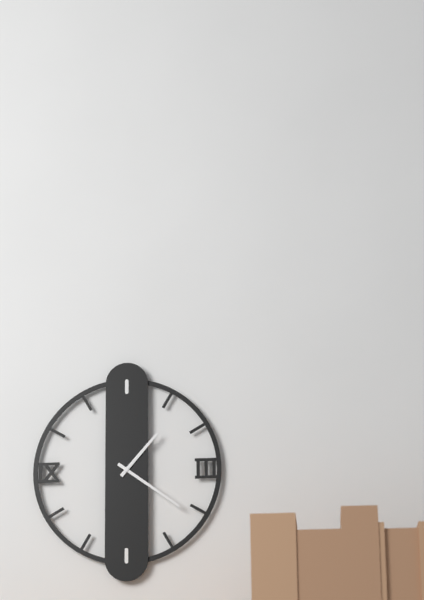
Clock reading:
**1:21**
